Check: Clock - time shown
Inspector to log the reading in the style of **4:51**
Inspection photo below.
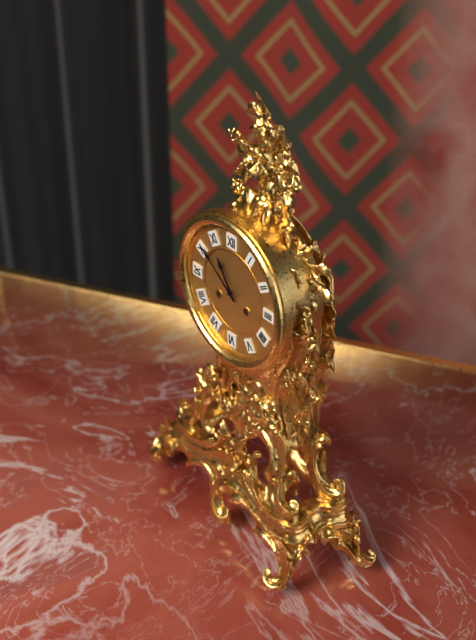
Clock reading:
**10:51**
